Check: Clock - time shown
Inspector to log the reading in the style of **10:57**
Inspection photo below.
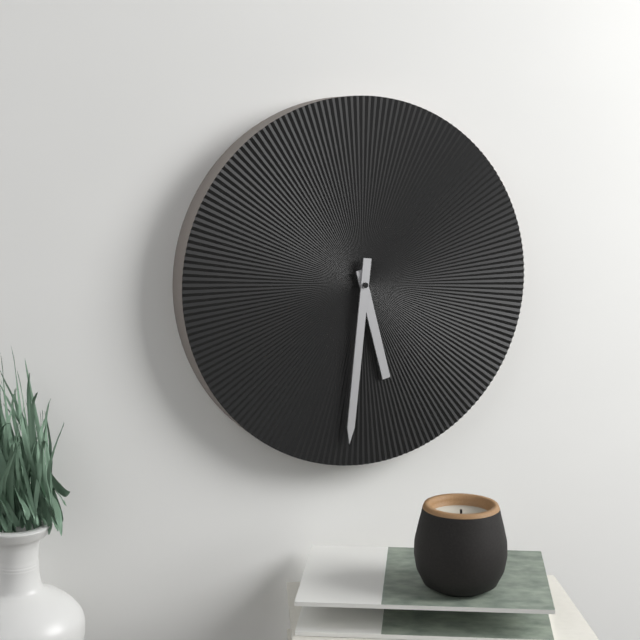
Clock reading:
**5:31**
